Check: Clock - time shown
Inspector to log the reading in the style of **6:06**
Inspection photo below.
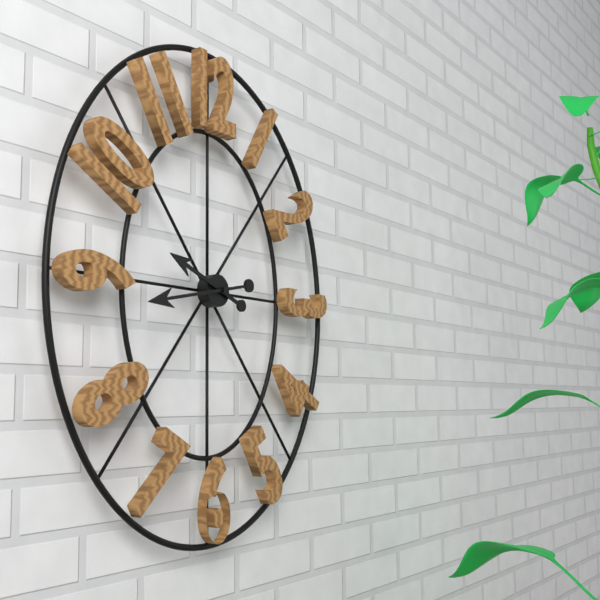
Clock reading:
**9:43**
